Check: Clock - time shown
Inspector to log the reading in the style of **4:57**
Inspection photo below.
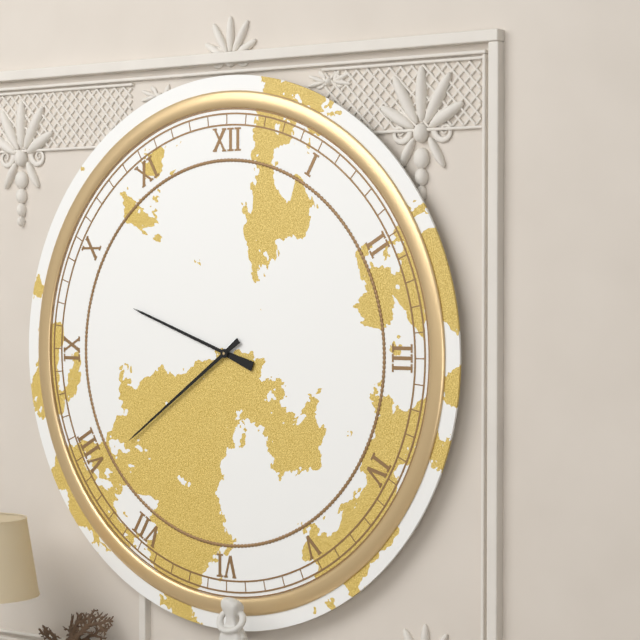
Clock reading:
**9:39**
